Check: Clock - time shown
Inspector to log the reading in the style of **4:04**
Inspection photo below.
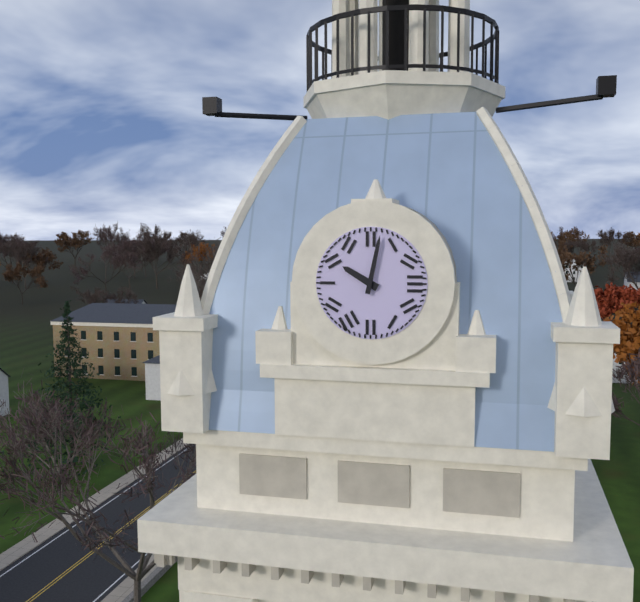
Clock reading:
**10:02**
